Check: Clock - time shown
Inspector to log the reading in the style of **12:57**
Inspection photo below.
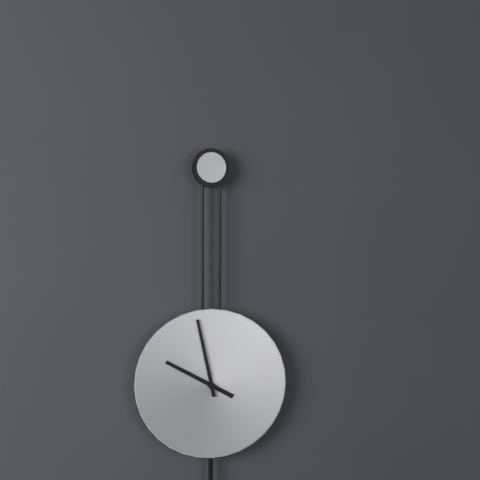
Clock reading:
**9:58**
